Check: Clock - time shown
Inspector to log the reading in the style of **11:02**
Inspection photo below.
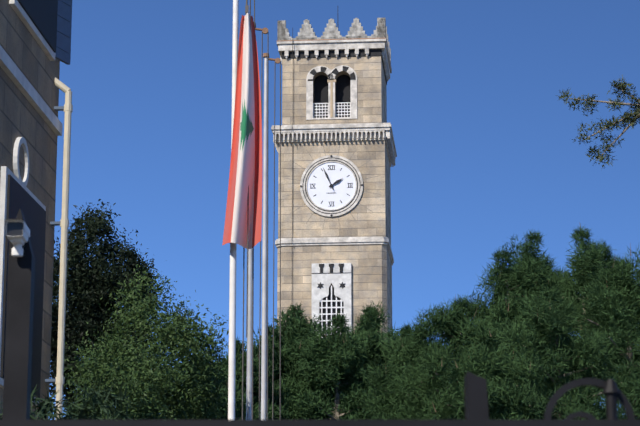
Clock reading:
**1:56**
